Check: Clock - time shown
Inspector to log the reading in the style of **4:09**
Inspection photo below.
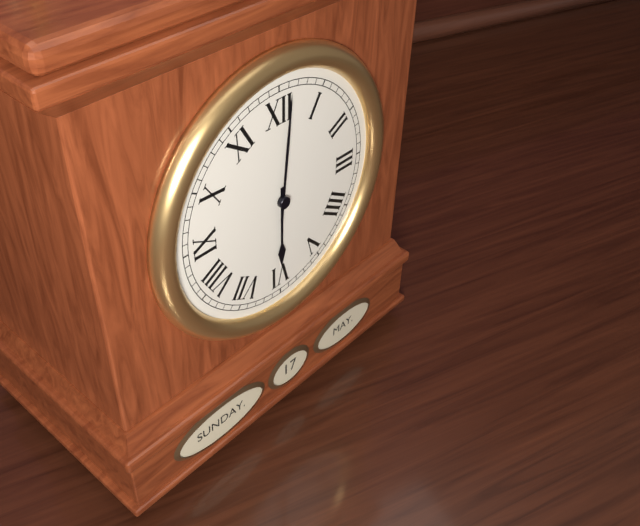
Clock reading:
**6:01**
